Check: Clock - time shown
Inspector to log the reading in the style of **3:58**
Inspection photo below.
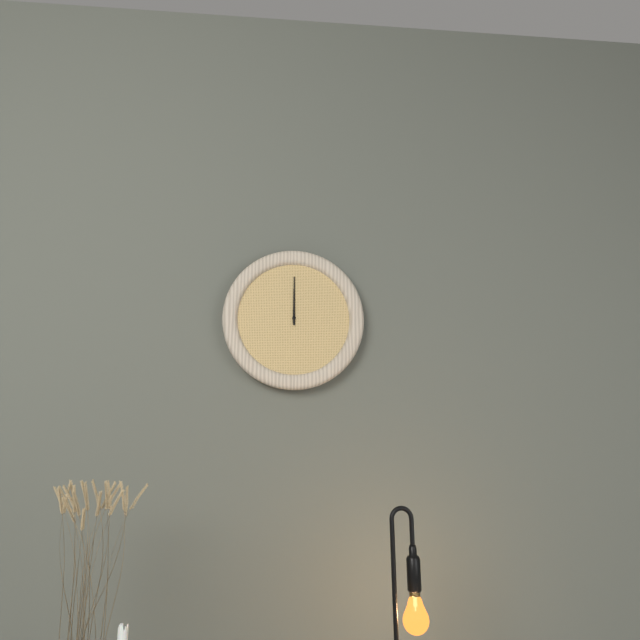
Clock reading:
**12:00**
